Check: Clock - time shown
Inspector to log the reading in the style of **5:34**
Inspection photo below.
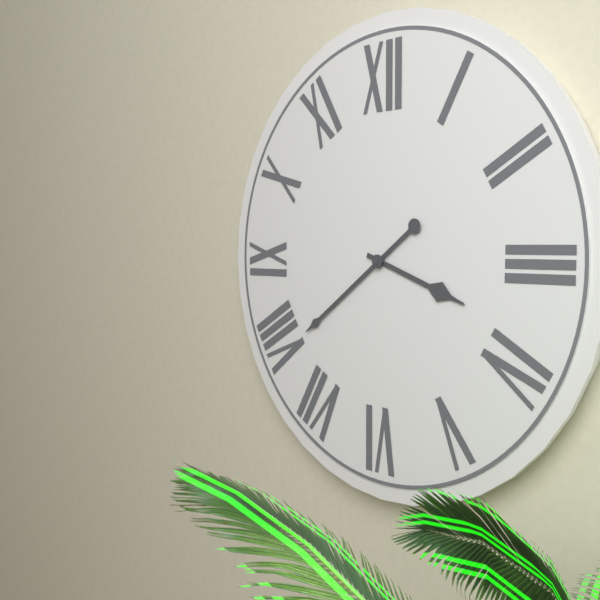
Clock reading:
**3:39**
